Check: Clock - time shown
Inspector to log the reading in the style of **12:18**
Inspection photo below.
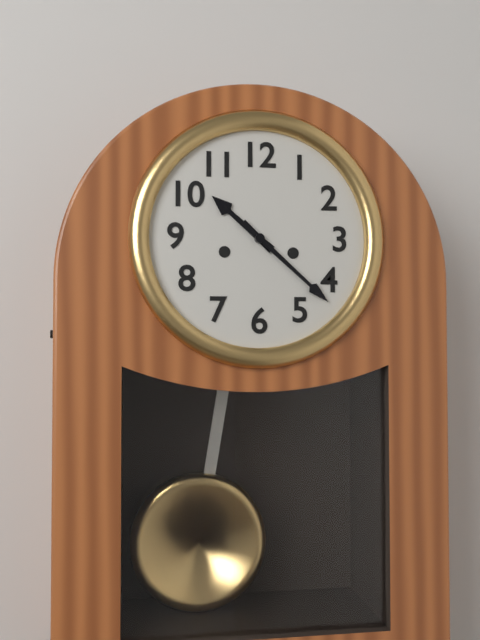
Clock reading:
**10:22**
